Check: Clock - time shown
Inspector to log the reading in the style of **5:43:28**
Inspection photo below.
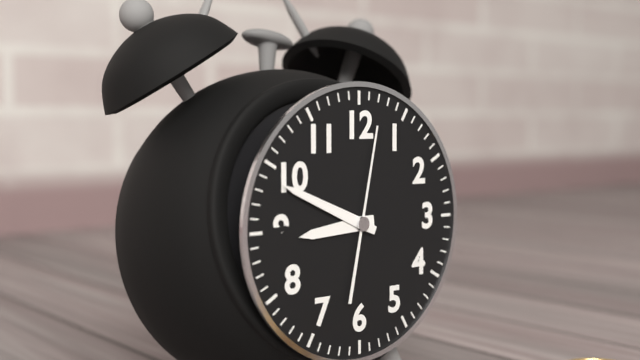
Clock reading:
**8:49:02**
